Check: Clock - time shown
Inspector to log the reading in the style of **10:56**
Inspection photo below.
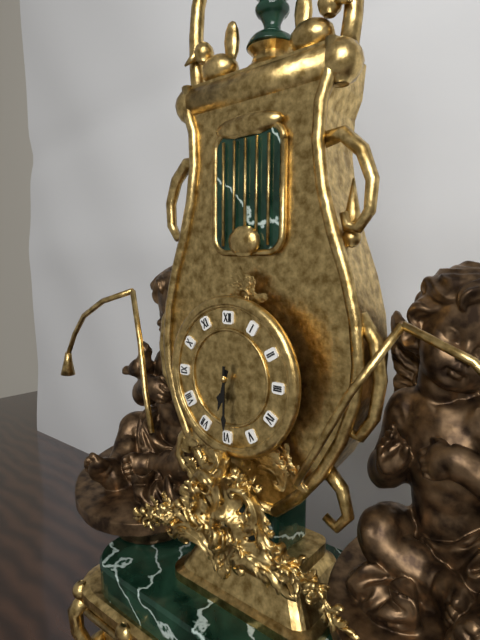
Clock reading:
**6:30**
